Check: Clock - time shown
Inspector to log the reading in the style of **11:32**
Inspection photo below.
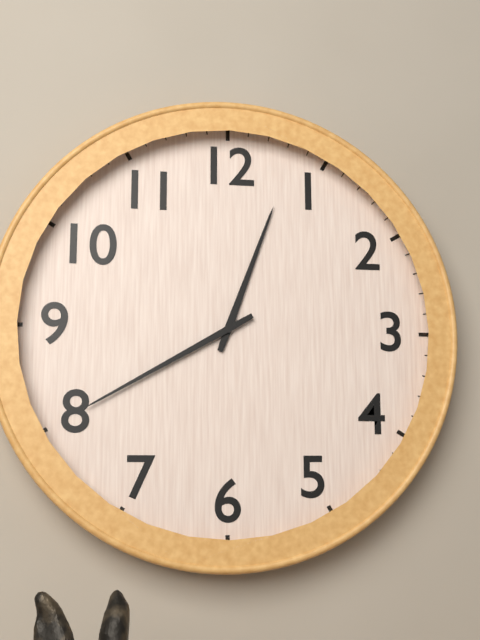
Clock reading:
**12:40**
